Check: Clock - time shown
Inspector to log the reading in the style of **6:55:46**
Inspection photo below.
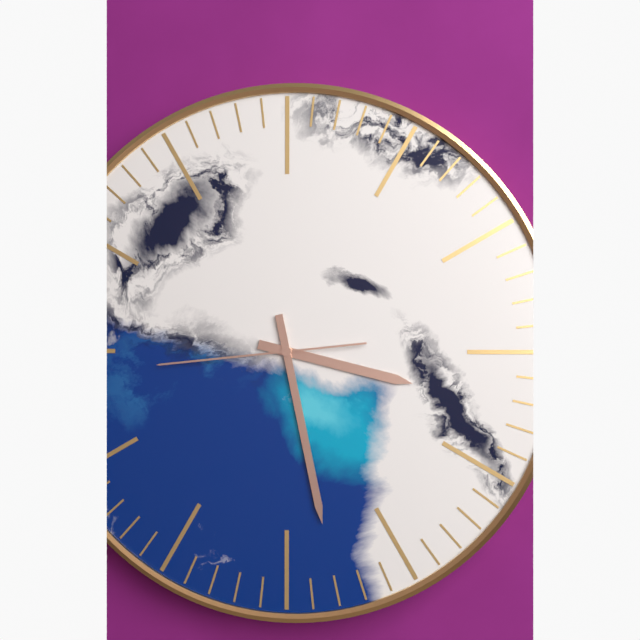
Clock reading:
**3:28:44**
